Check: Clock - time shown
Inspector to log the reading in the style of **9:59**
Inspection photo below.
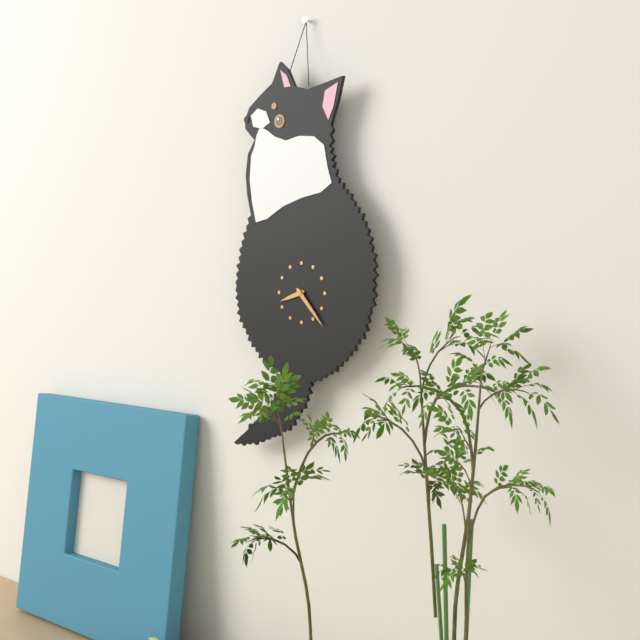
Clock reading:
**8:23**
